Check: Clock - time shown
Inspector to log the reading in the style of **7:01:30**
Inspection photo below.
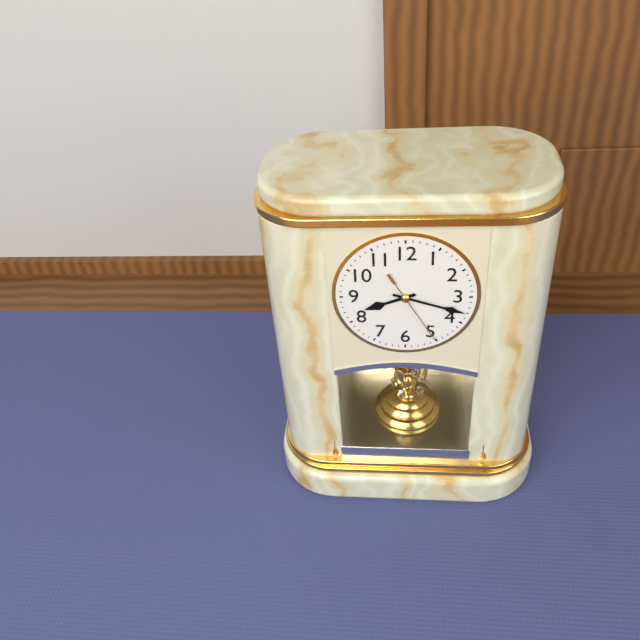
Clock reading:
**8:18:25**
